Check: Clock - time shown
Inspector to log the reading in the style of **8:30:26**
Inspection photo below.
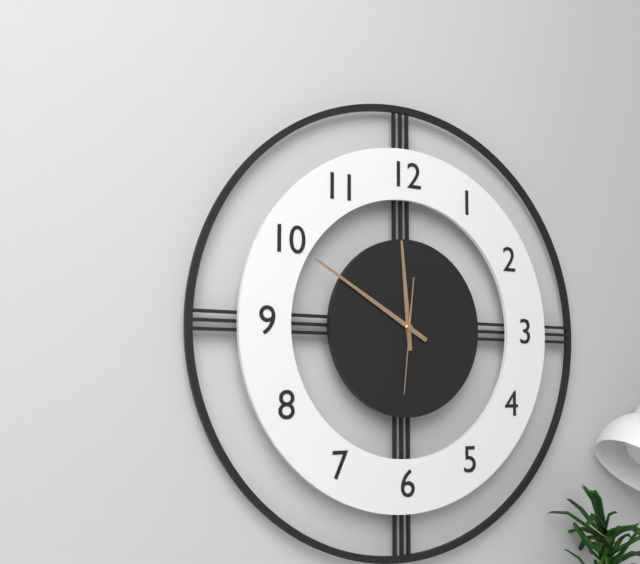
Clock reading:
**11:50:31**
